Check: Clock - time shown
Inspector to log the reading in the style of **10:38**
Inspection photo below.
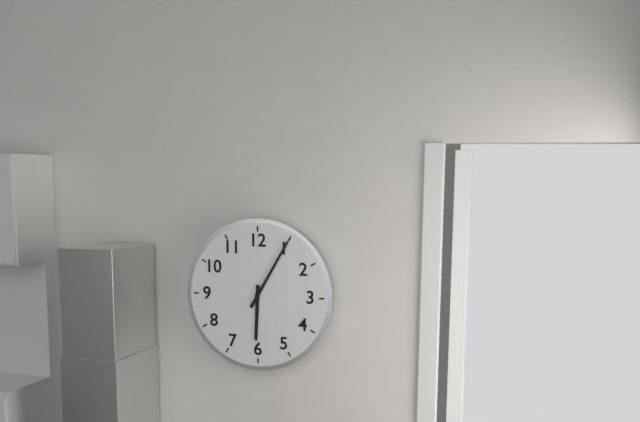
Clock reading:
**6:05**
